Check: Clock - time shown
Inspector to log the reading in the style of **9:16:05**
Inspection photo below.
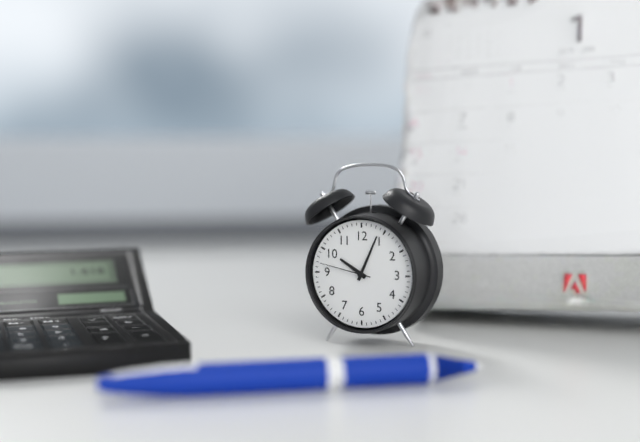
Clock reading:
**10:04:47**
